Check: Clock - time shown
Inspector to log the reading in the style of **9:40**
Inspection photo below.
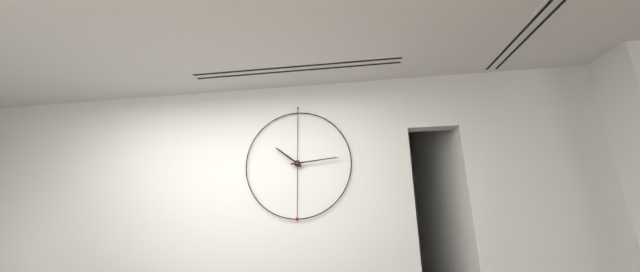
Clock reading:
**10:14**
